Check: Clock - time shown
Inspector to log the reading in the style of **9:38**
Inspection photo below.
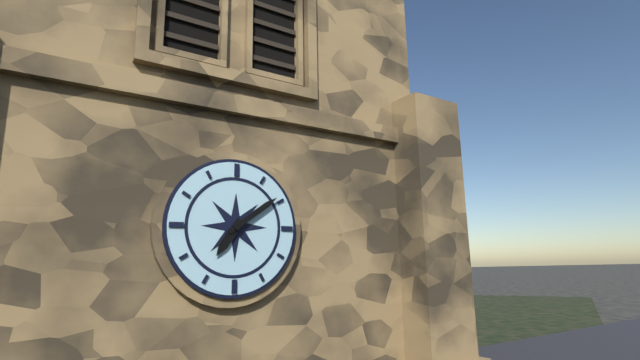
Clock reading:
**7:09**
